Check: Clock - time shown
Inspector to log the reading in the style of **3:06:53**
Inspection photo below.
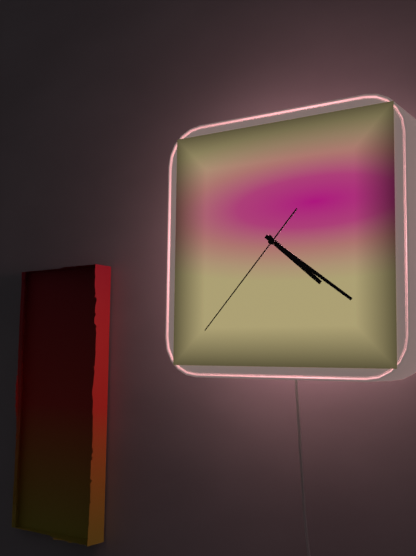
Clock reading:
**4:21:37**
